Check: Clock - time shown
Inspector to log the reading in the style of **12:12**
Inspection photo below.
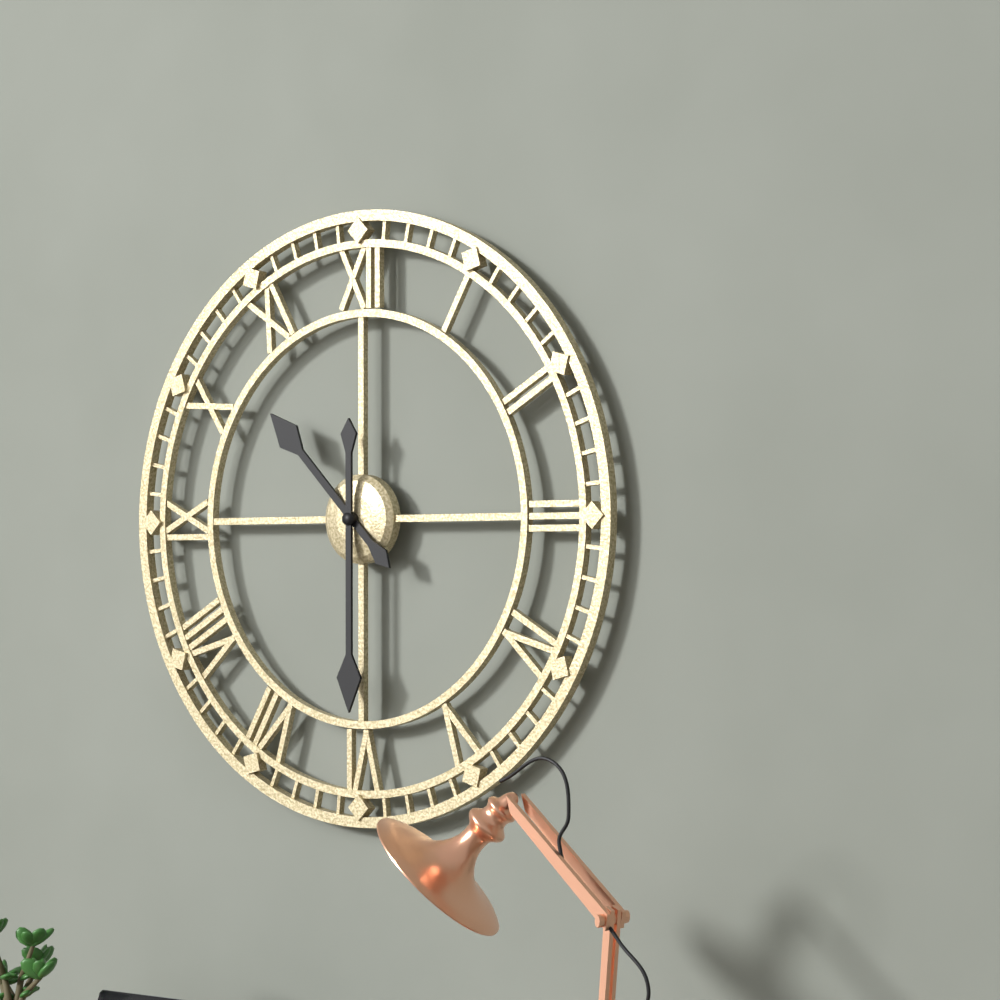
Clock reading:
**10:30**
